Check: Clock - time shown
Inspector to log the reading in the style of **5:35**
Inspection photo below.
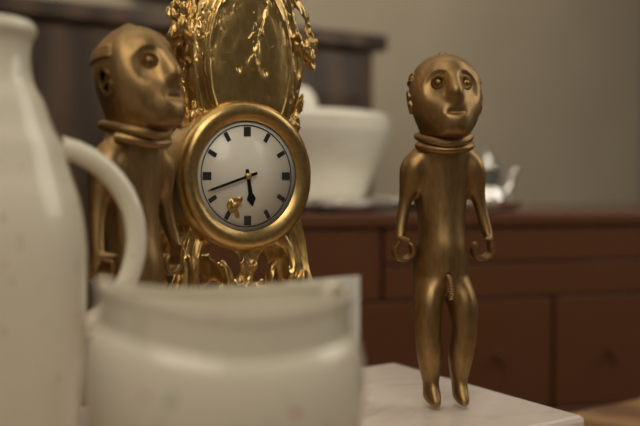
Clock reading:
**5:42**
